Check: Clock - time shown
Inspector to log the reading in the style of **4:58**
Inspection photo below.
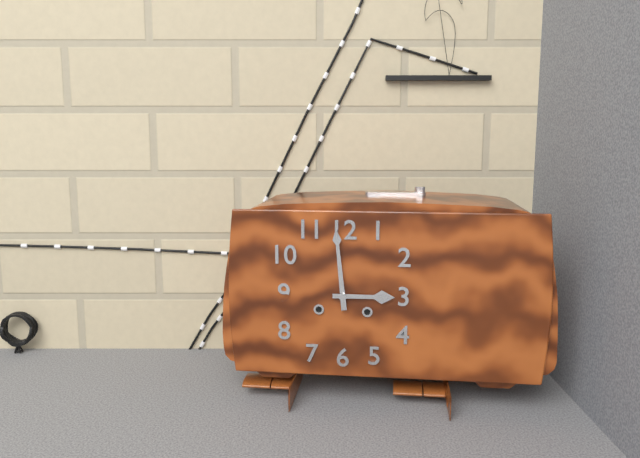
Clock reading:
**2:59**
